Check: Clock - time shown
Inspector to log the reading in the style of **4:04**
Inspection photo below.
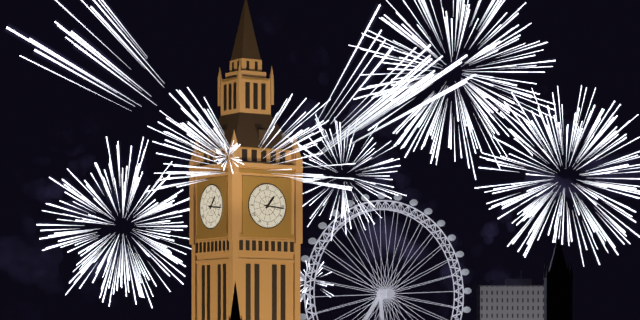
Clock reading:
**1:16**
